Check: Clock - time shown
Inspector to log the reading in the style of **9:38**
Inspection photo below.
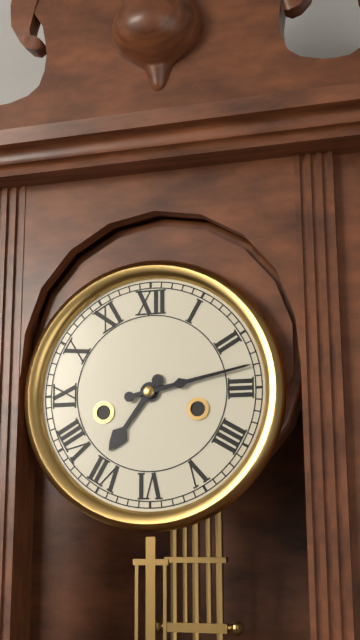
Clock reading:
**7:13**
